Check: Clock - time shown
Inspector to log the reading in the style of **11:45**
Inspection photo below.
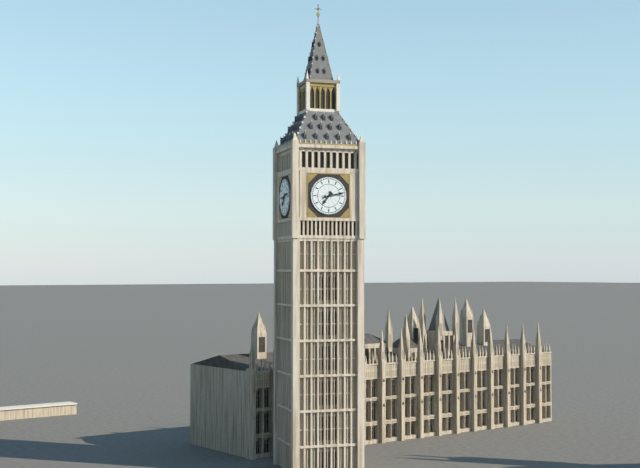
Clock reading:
**7:13**
